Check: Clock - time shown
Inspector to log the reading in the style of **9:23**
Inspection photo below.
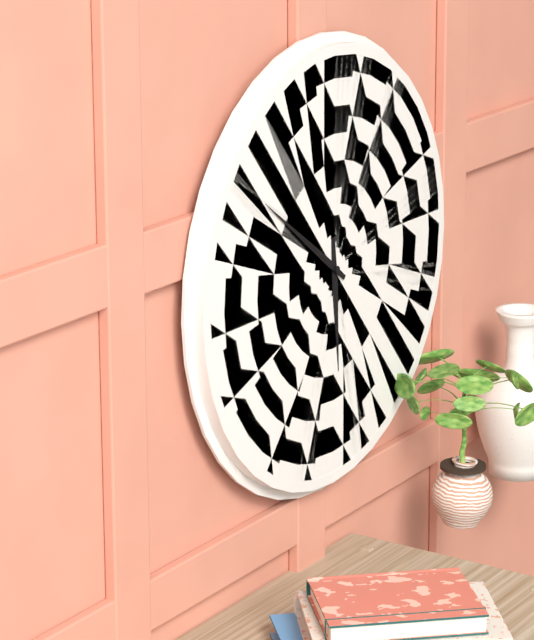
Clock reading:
**5:51**
